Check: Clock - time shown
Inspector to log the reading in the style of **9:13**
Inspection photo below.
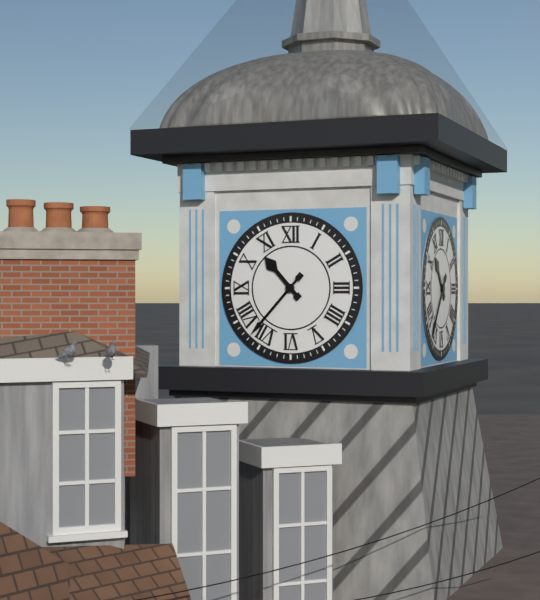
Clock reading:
**10:37**
